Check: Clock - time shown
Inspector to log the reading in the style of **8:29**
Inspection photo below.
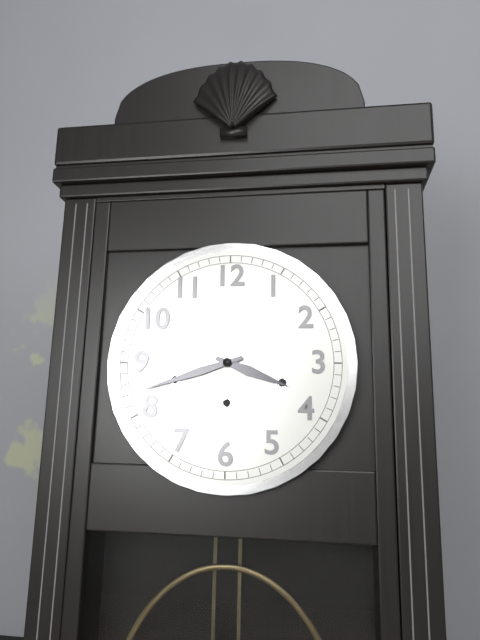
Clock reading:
**3:42**
